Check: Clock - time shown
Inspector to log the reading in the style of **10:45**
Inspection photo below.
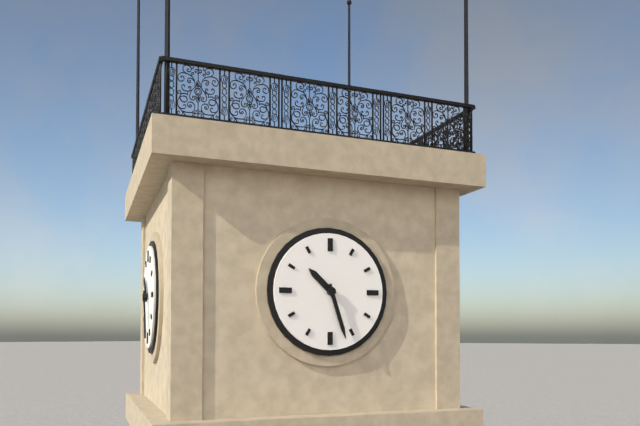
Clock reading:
**10:27**
